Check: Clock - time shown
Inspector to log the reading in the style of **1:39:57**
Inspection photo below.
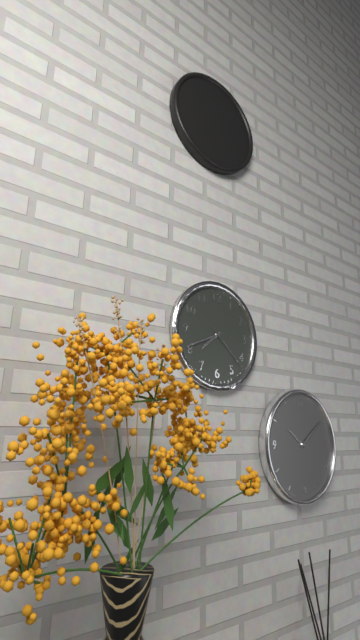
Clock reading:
**7:41:22**
